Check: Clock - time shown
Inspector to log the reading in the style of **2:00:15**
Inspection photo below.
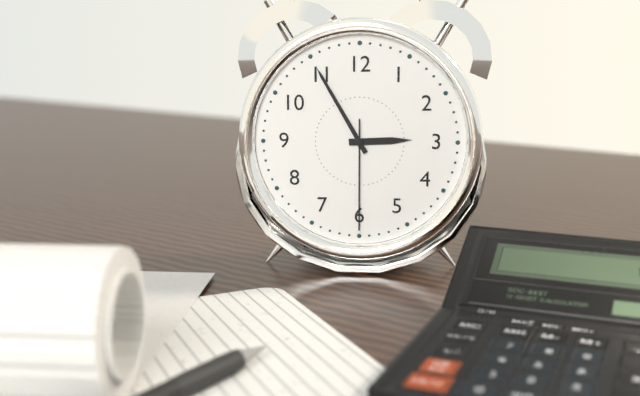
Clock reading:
**2:55:30**
